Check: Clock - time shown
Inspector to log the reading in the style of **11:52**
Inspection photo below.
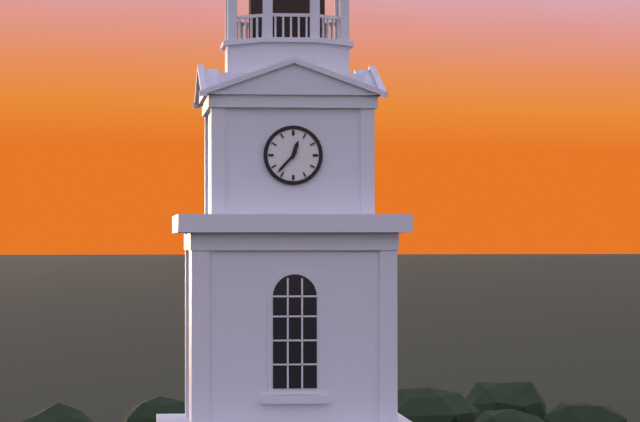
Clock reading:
**12:37**
